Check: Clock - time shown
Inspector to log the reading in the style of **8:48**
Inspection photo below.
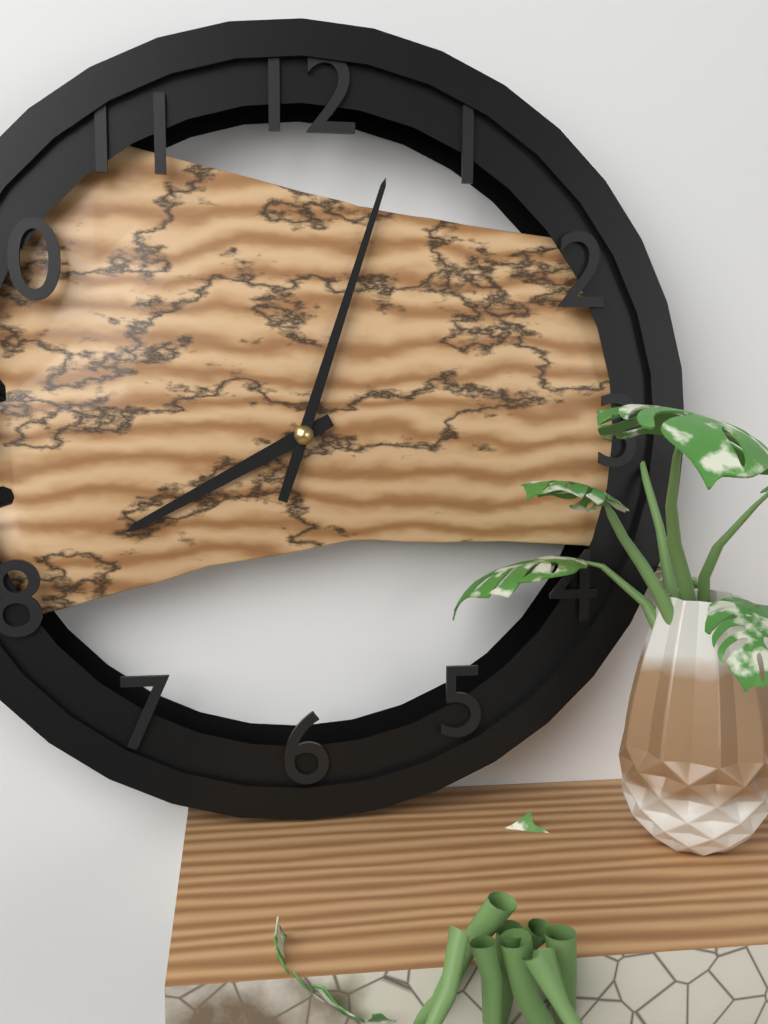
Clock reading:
**8:03**
